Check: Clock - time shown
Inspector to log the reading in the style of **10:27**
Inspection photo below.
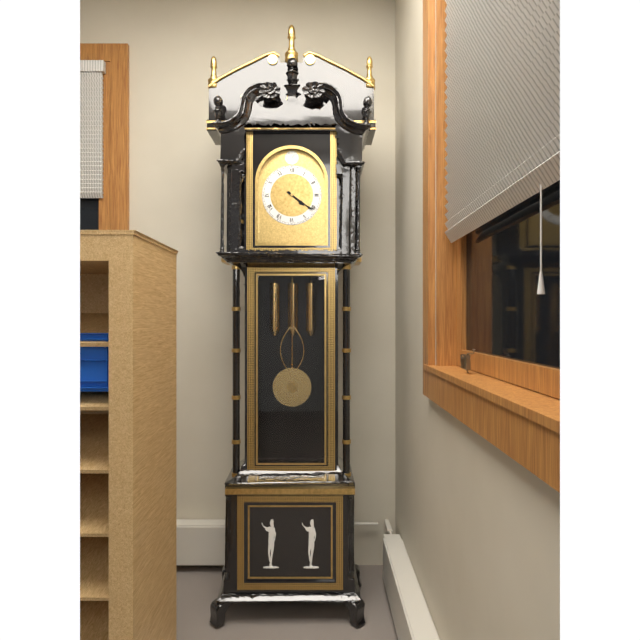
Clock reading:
**4:21**
